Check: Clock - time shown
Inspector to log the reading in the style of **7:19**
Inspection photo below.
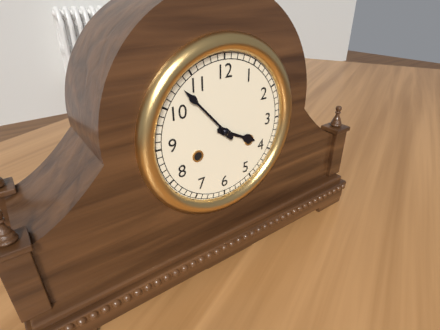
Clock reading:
**3:53**
